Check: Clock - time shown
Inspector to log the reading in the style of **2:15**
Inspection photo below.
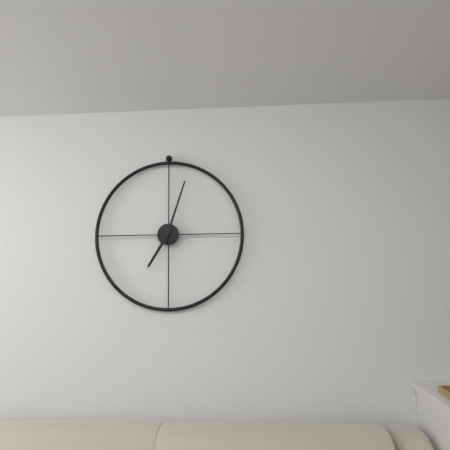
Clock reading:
**7:03**
